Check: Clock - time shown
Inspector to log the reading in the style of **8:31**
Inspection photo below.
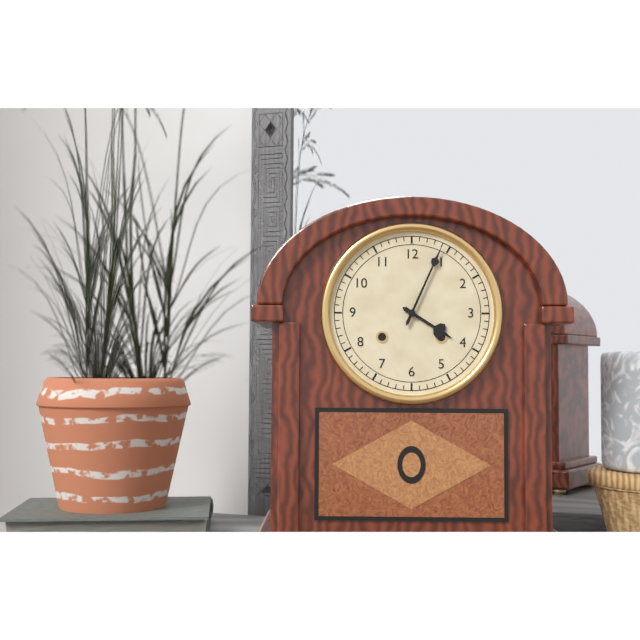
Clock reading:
**4:04**
